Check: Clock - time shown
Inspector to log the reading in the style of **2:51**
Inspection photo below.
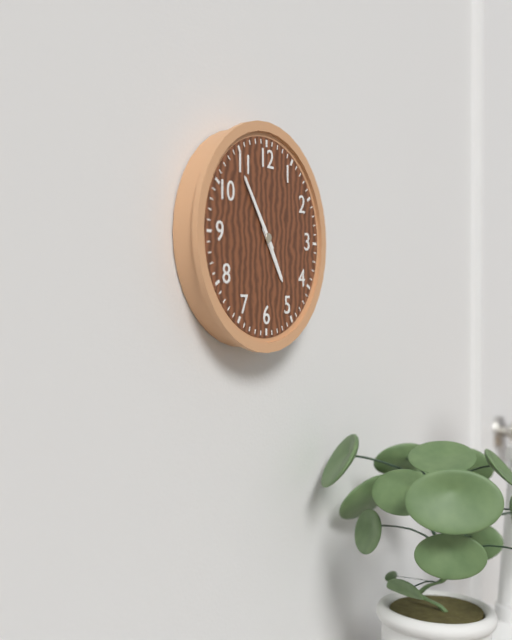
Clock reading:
**4:54**
